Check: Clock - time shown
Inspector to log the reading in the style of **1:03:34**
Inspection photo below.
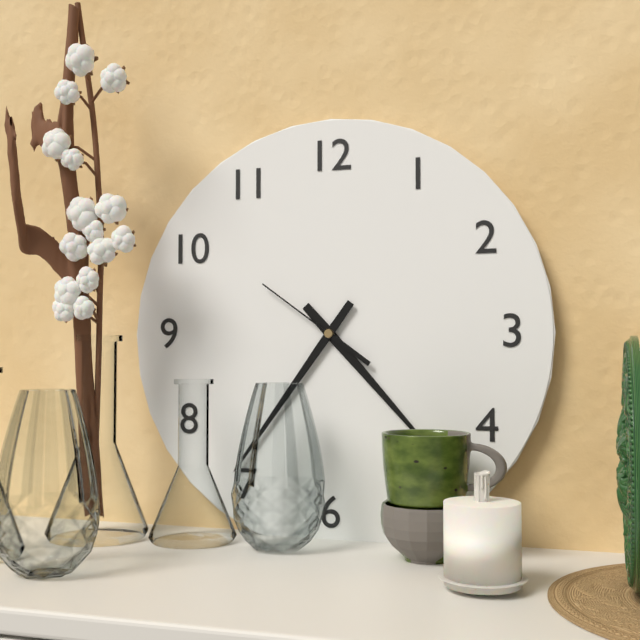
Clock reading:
**4:36:51**
